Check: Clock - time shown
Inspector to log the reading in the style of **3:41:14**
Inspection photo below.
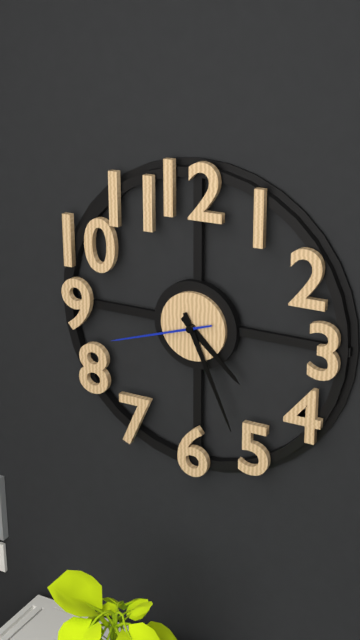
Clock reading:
**4:26:42**
